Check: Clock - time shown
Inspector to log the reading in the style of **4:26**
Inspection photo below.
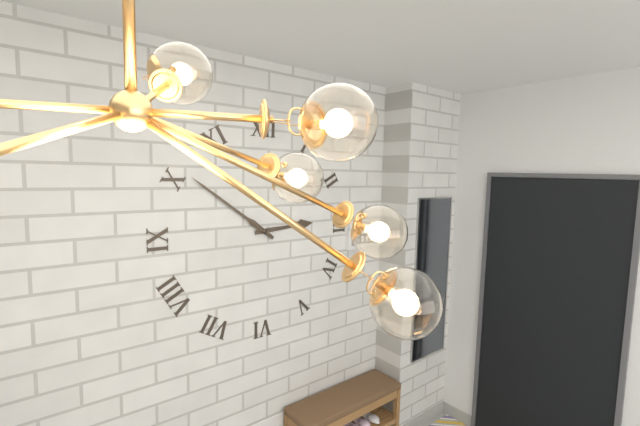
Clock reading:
**2:51**
